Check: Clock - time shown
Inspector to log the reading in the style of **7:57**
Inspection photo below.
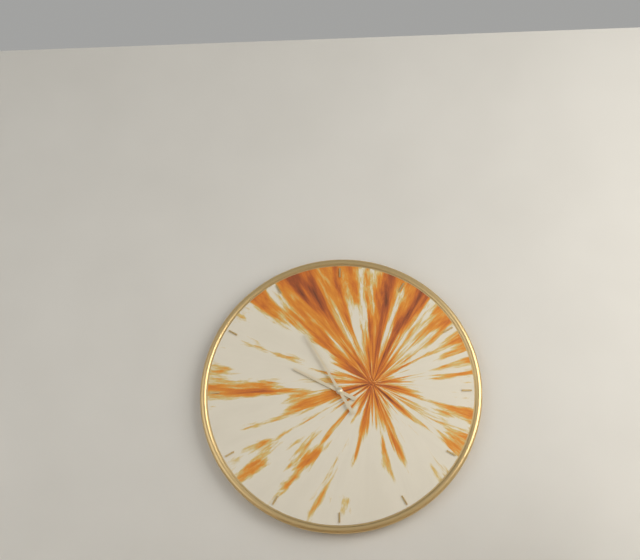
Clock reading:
**9:55**
